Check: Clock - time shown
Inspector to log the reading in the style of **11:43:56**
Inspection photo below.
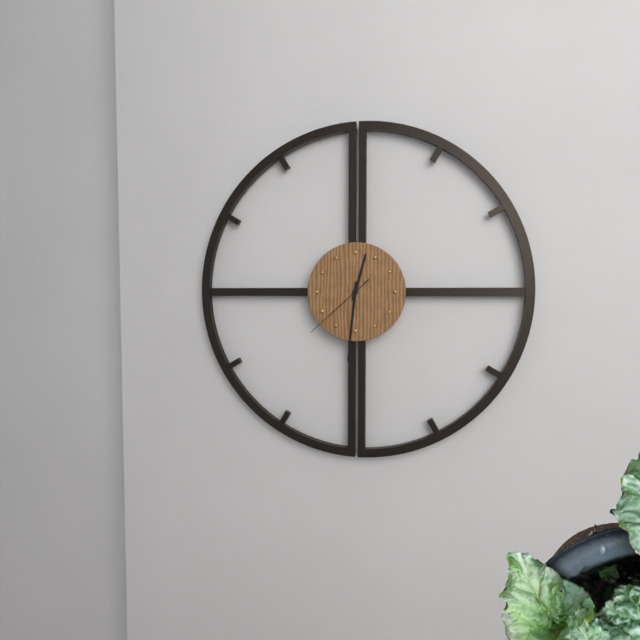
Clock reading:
**12:31:38**
